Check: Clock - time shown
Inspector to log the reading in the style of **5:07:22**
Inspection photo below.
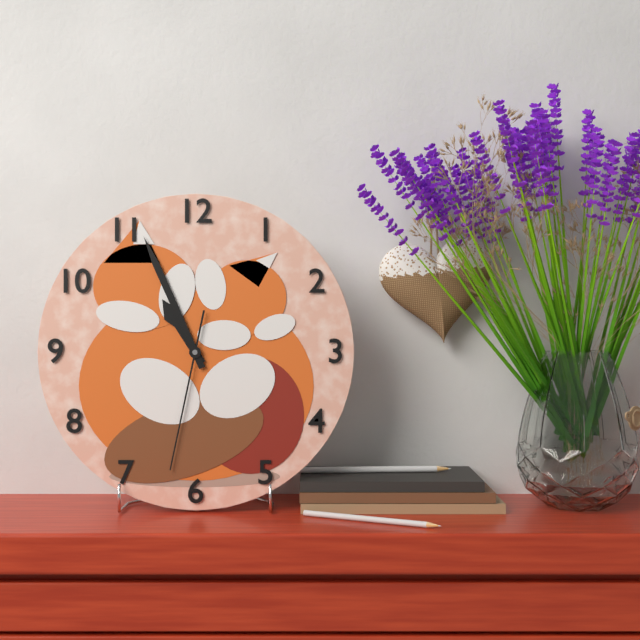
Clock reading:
**10:56:32**
